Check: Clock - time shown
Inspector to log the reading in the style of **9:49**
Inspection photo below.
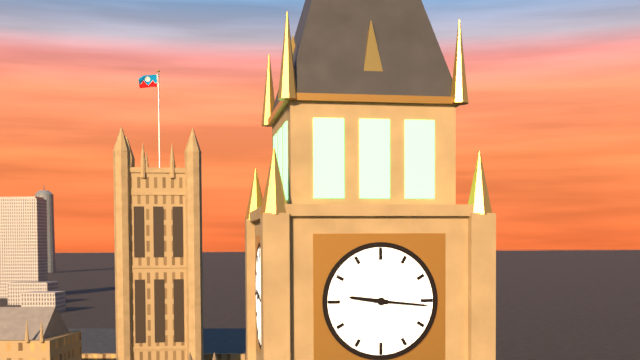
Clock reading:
**9:16**
